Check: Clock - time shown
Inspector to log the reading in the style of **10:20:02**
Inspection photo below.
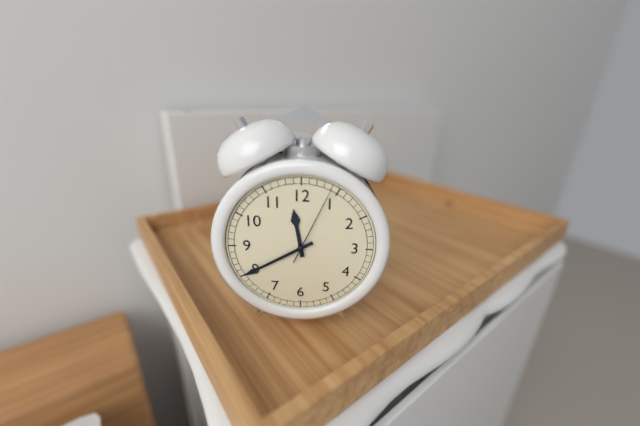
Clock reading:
**11:40:04**
